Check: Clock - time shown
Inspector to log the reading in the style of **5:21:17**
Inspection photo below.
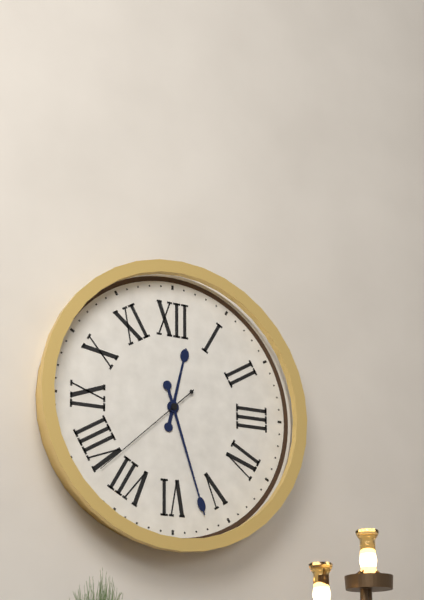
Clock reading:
**12:27:38**
